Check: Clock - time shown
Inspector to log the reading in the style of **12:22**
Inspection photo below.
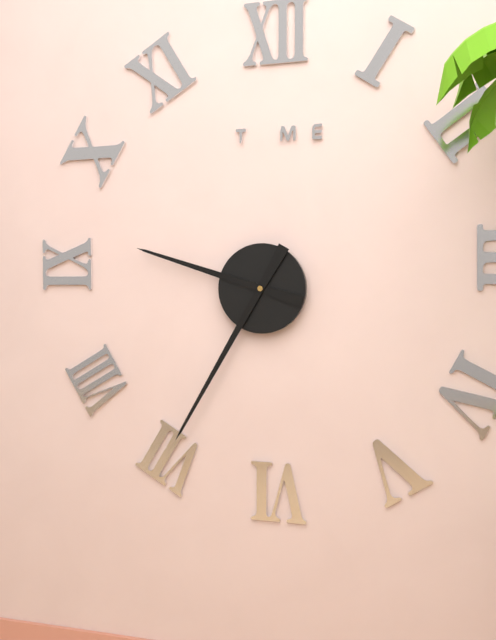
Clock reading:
**9:35**
